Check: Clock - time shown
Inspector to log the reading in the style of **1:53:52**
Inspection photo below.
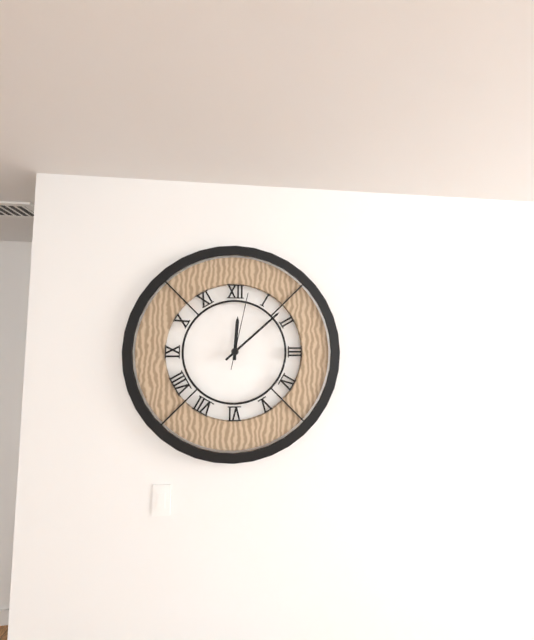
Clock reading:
**12:08:02**
